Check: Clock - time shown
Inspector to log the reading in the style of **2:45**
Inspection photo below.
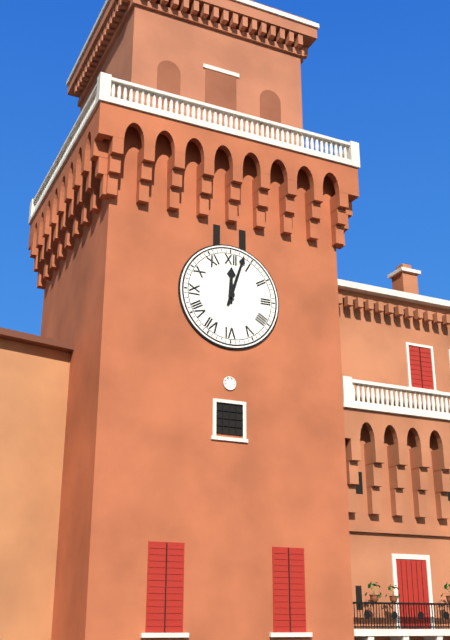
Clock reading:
**12:03**
